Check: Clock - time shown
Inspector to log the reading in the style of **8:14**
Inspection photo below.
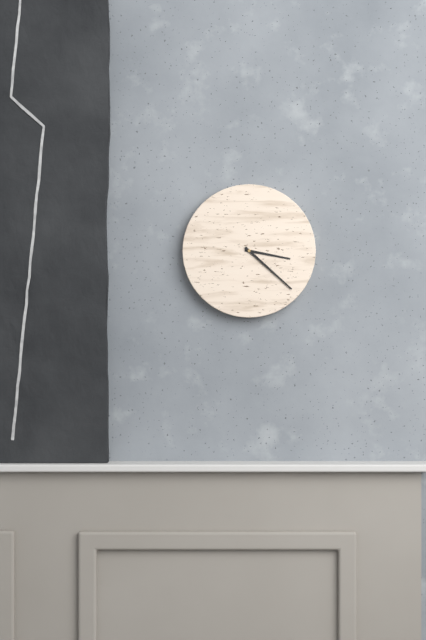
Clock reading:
**3:22**
